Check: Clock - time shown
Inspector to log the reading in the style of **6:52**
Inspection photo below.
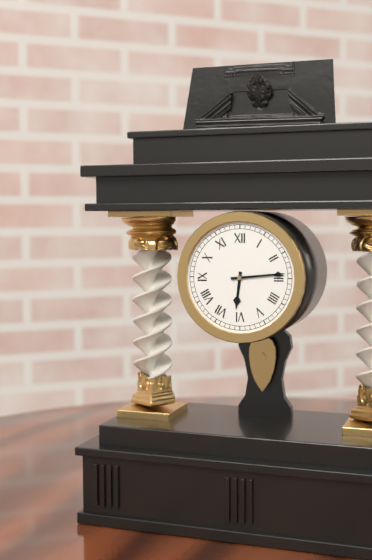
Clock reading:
**6:14**
